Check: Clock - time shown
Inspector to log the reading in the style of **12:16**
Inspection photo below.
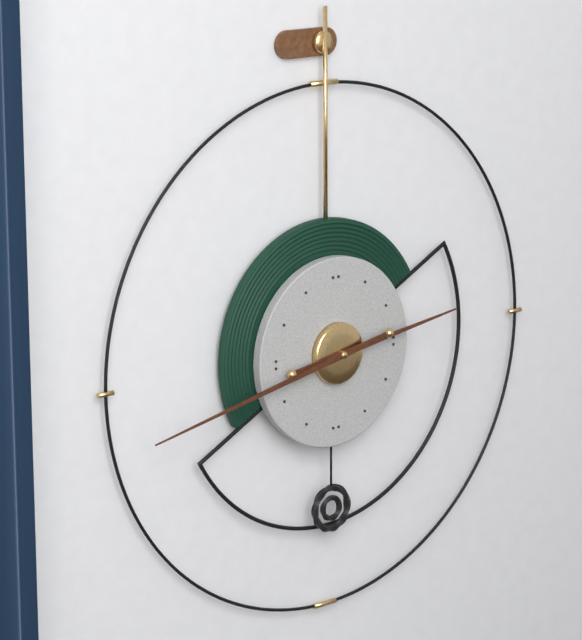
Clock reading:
**2:43**
